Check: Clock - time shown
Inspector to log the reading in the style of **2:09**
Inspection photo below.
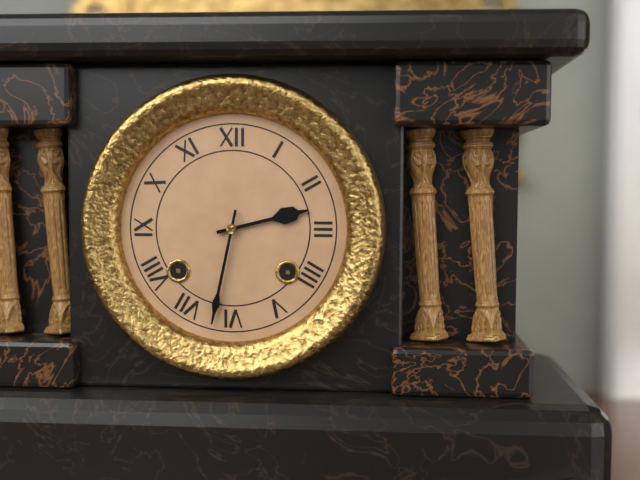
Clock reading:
**2:32**
